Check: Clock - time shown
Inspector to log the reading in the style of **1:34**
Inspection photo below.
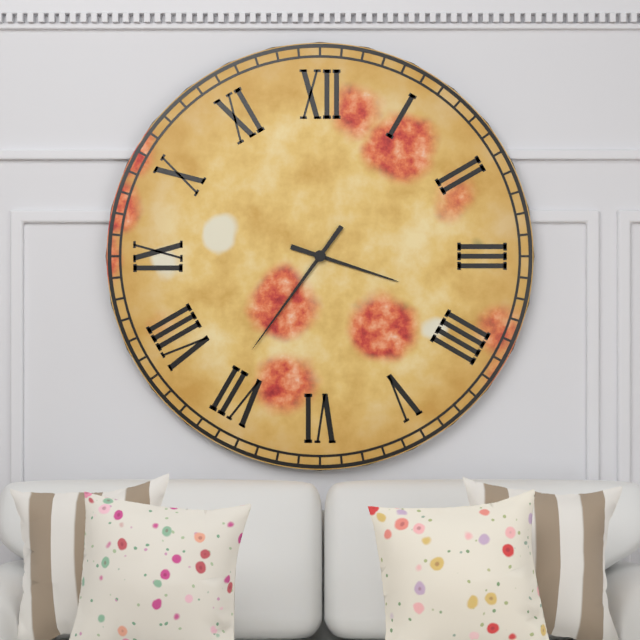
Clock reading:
**3:36**
